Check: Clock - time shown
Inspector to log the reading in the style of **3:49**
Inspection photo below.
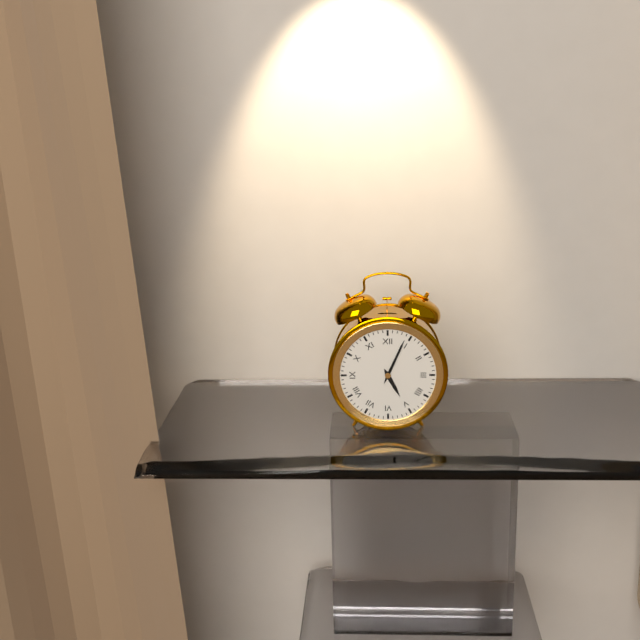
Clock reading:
**5:04**
